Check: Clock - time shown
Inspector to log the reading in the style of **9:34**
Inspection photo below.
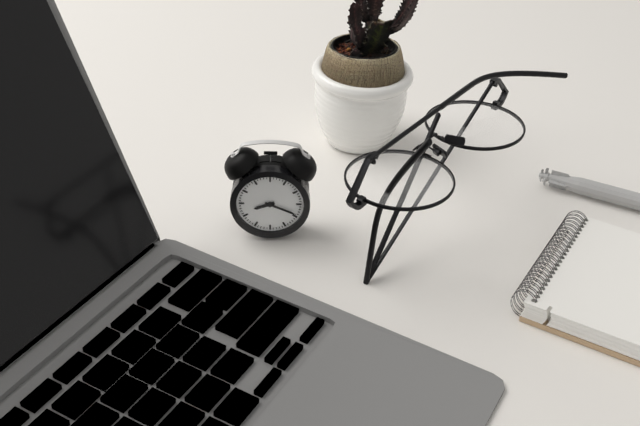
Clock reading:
**8:19**
